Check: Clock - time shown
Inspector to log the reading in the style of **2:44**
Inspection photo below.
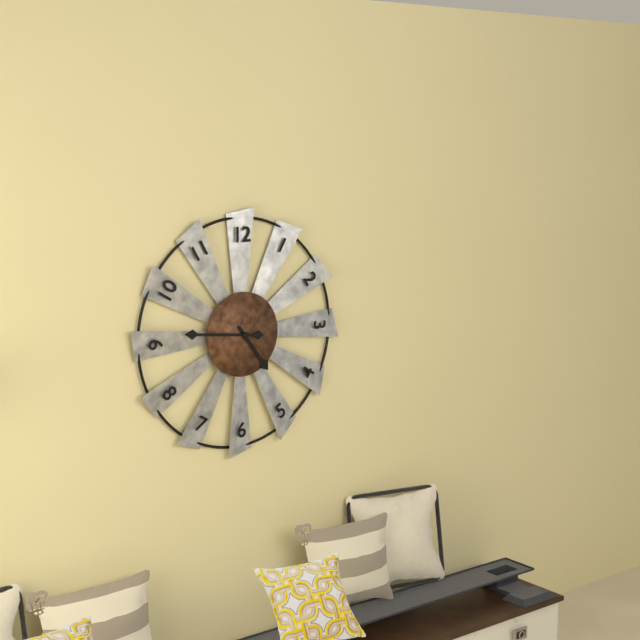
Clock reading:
**4:46**
